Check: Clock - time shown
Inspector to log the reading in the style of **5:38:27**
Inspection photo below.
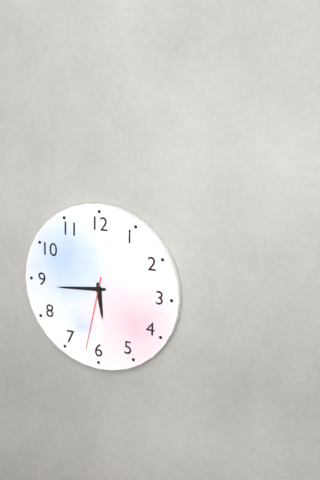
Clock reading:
**5:44:32**
